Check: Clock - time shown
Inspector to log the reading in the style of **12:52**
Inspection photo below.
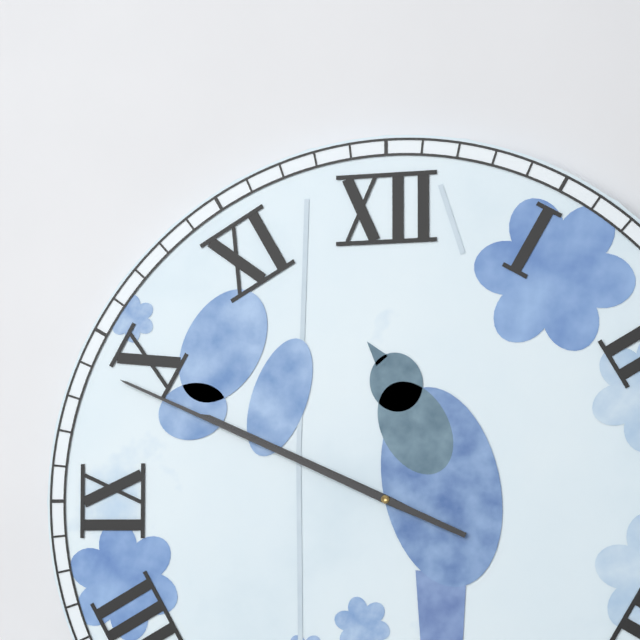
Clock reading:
**9:49**
